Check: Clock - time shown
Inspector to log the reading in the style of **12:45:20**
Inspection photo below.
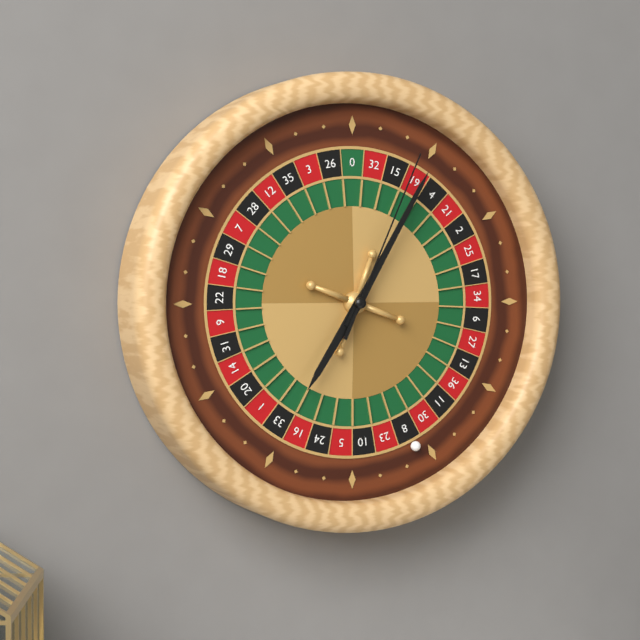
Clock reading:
**7:05:04**
